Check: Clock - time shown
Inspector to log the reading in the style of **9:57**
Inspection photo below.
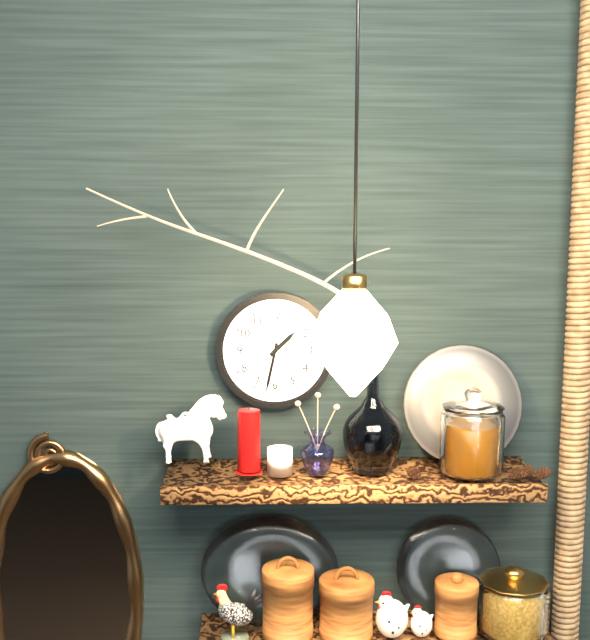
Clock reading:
**1:32**
